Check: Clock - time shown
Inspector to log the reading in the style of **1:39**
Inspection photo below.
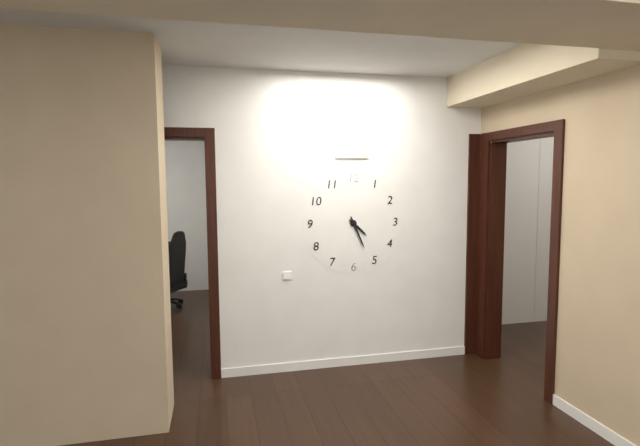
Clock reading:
**4:26**
